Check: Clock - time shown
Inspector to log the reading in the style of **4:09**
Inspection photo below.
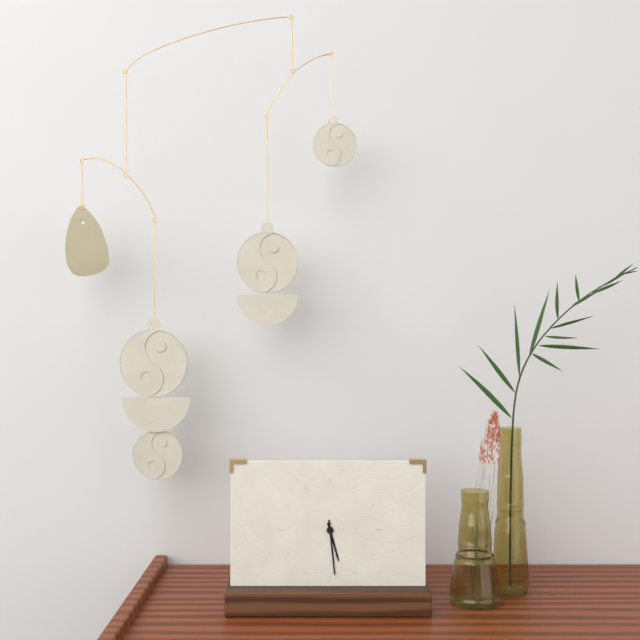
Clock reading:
**5:29**
